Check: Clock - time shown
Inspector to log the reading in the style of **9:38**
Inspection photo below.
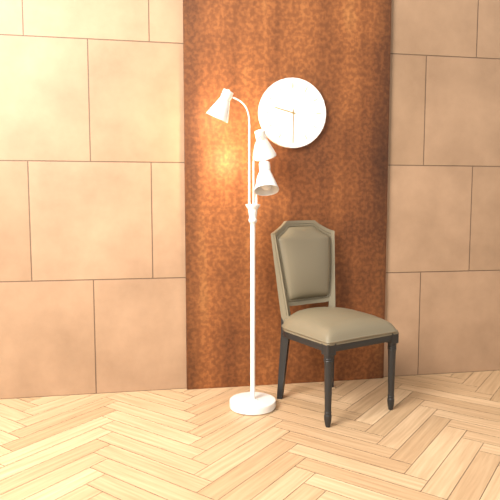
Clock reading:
**9:30**
